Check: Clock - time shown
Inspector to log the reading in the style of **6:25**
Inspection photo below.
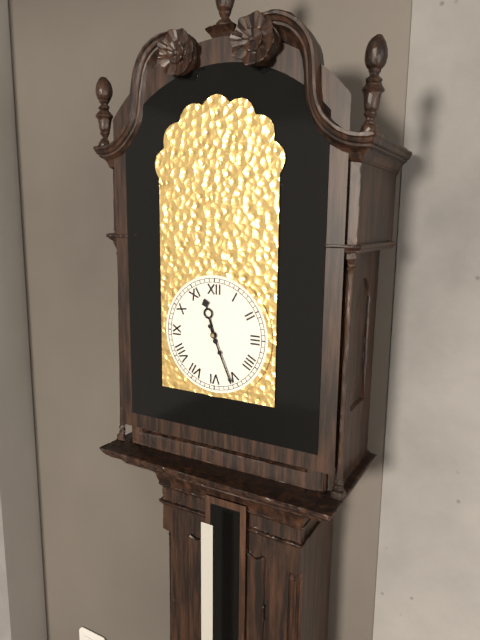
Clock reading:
**11:26**
